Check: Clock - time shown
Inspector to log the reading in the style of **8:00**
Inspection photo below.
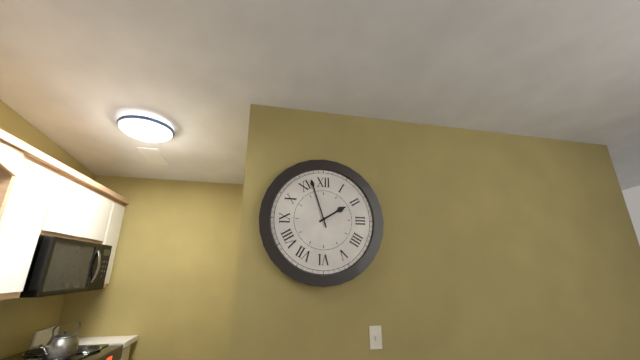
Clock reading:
**1:57**
